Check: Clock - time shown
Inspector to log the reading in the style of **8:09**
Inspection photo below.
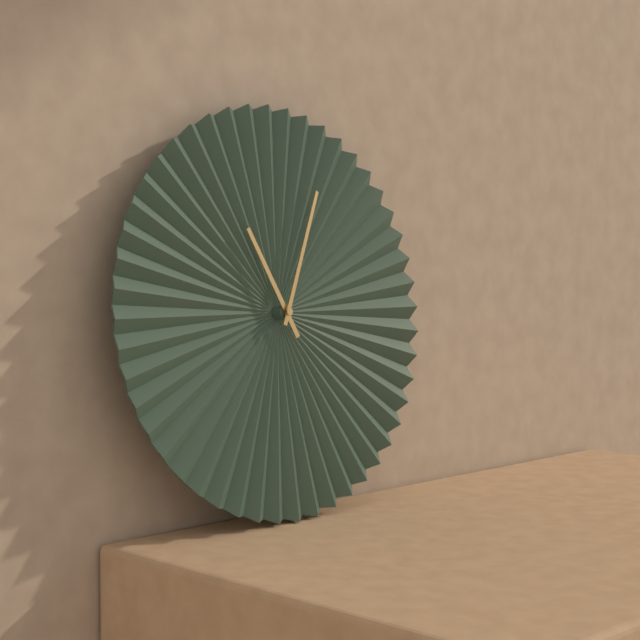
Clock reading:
**11:04**
